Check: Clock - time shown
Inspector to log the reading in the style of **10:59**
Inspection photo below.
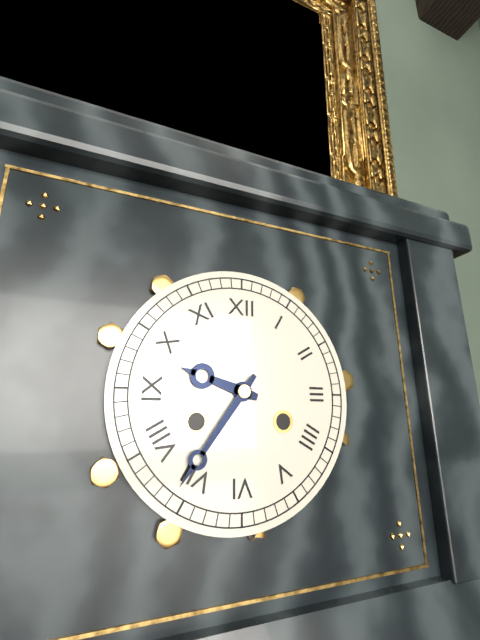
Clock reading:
**9:36**
